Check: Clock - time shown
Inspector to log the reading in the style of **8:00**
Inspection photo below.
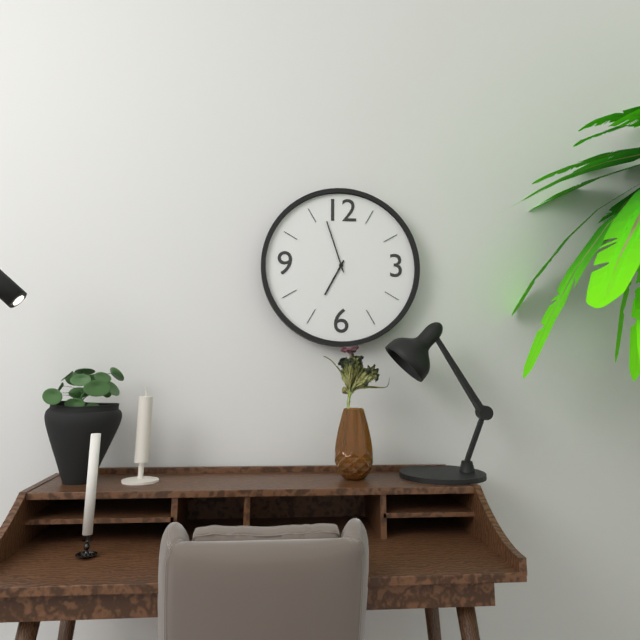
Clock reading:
**6:57**
